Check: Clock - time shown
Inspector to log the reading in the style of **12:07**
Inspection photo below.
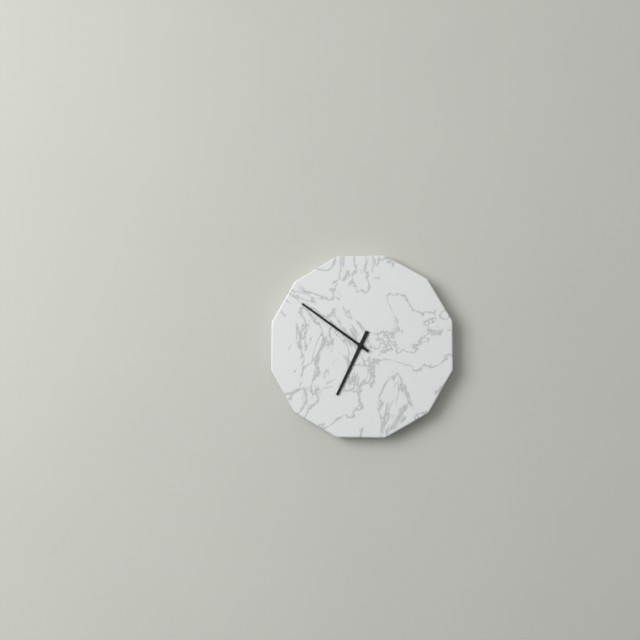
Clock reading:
**6:51**
